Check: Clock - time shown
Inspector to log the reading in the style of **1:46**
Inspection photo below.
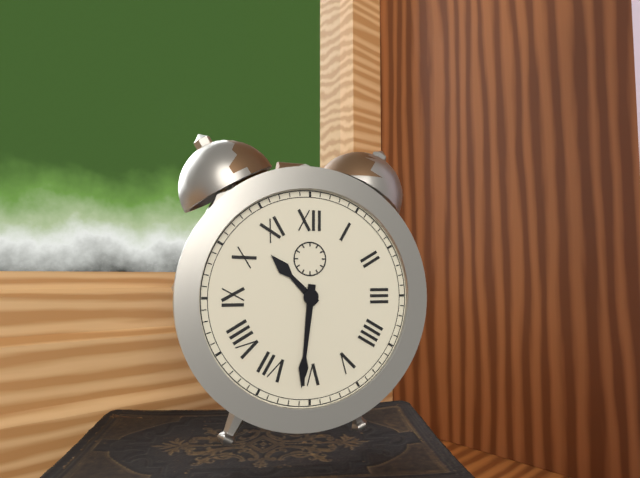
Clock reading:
**10:31**
